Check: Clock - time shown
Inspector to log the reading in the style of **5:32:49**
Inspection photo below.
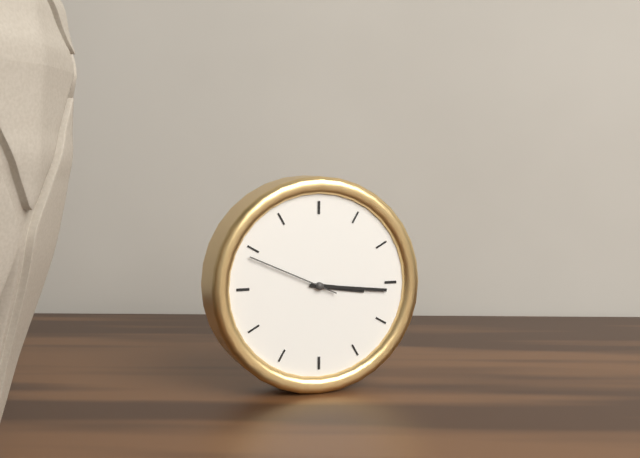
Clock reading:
**3:16:49**
